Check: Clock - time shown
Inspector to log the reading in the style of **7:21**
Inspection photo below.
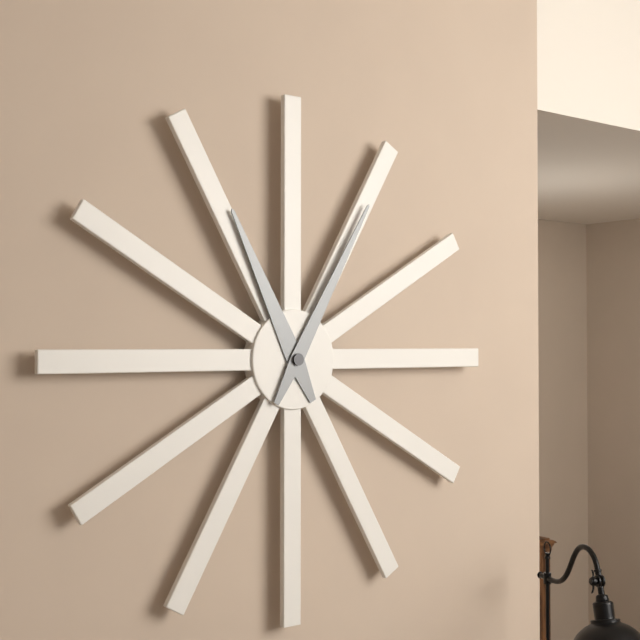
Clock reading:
**11:05**
